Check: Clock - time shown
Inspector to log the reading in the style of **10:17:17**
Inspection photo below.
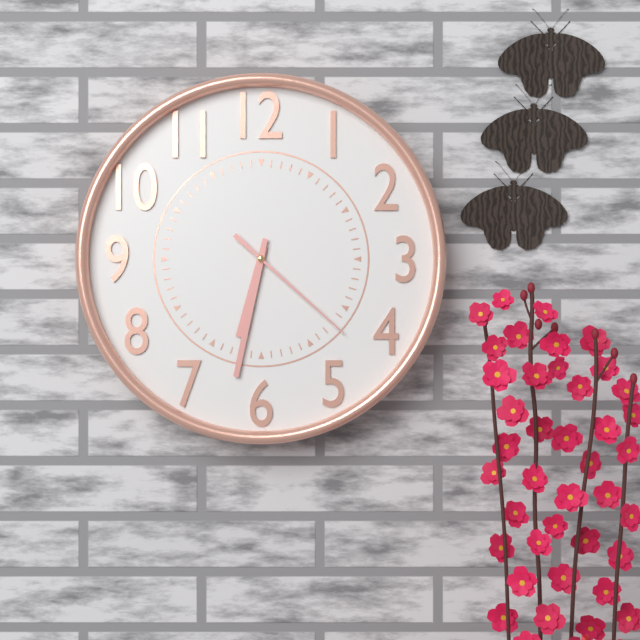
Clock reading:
**6:32:22**
